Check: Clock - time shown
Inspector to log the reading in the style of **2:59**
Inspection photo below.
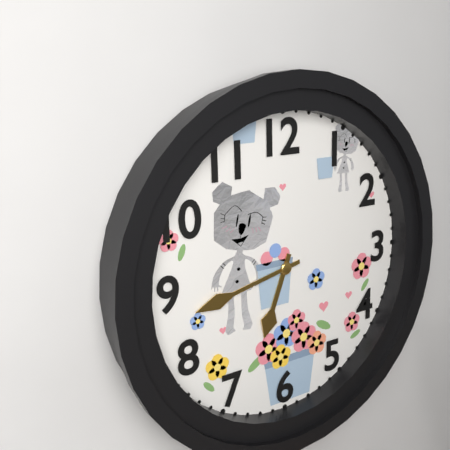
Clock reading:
**6:43**
